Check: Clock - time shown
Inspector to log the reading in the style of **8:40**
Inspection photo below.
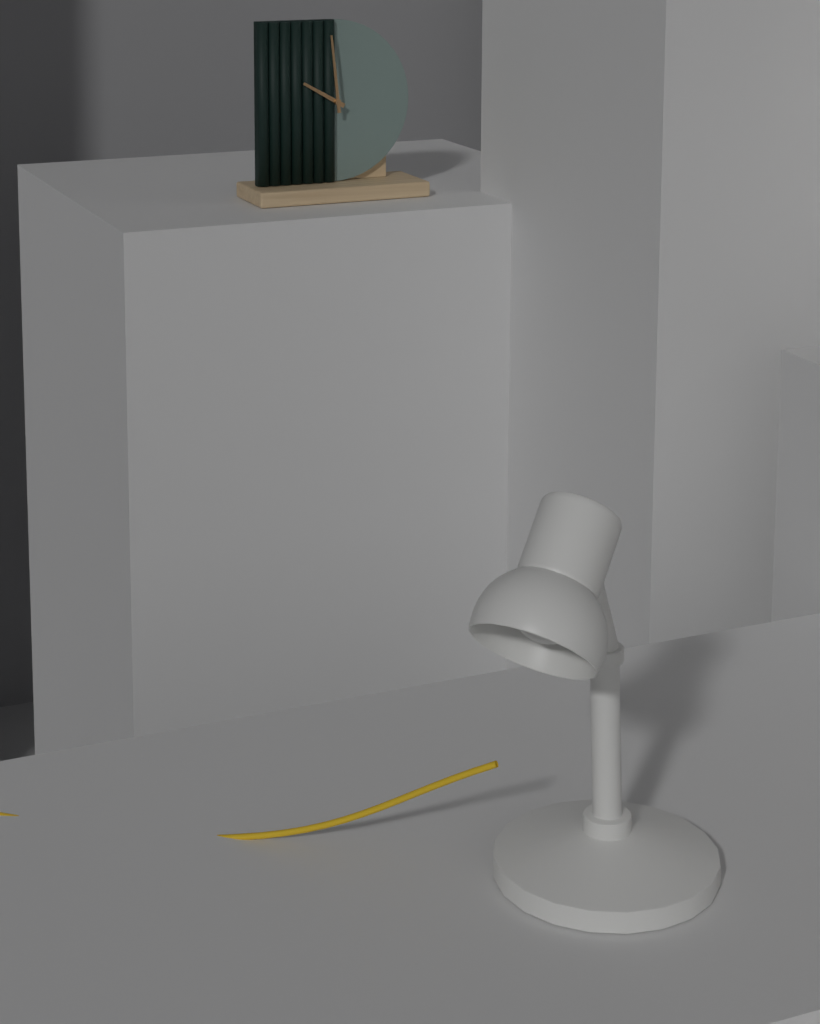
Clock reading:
**9:59**
